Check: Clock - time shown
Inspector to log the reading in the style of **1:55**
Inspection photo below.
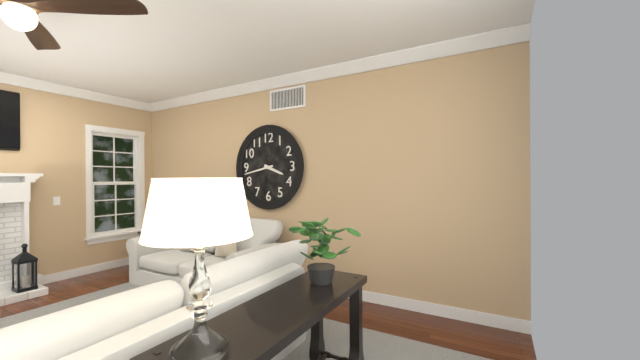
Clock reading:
**3:43**
